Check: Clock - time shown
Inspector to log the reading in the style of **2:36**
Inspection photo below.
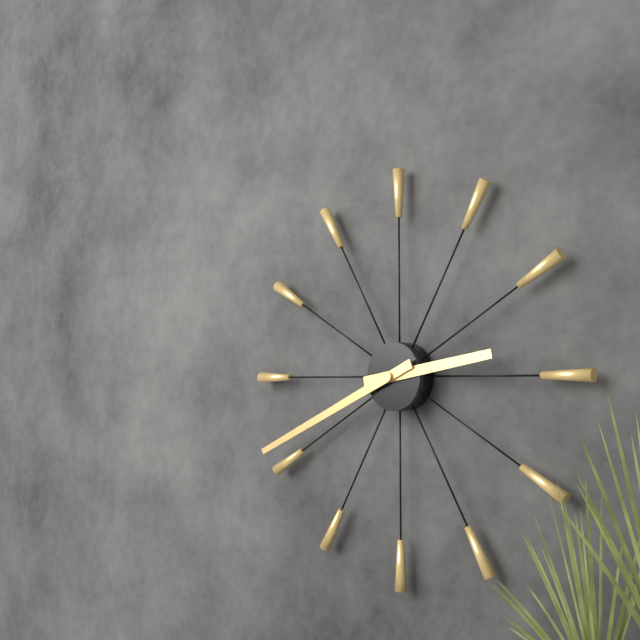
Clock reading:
**2:41**
